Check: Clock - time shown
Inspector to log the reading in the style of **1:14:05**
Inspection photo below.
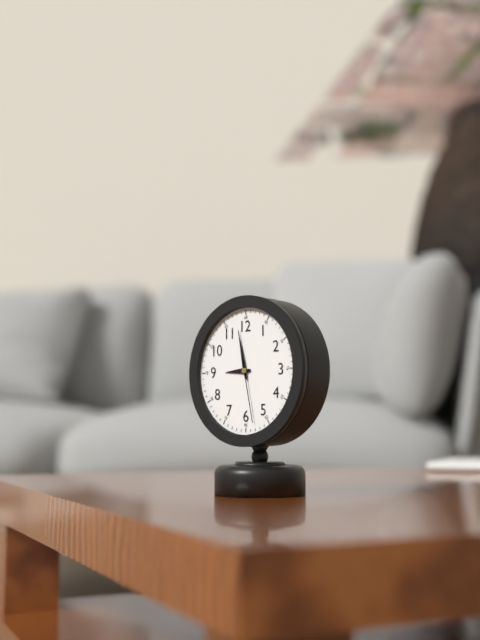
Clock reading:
**8:58:28**
